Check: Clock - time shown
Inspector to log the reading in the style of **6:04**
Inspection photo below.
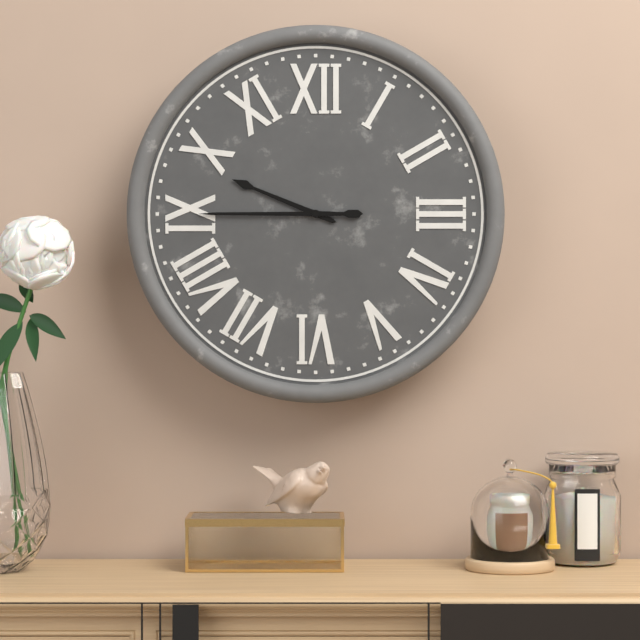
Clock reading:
**9:45**
